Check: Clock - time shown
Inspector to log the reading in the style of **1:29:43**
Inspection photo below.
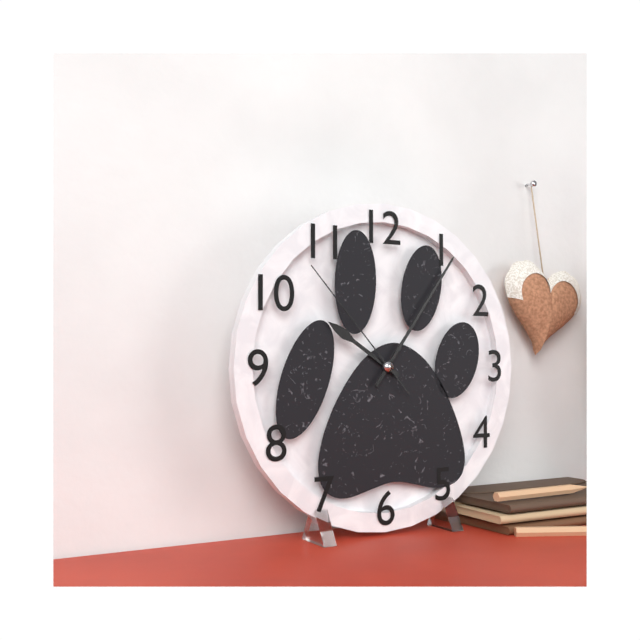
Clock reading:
**10:06:53**
